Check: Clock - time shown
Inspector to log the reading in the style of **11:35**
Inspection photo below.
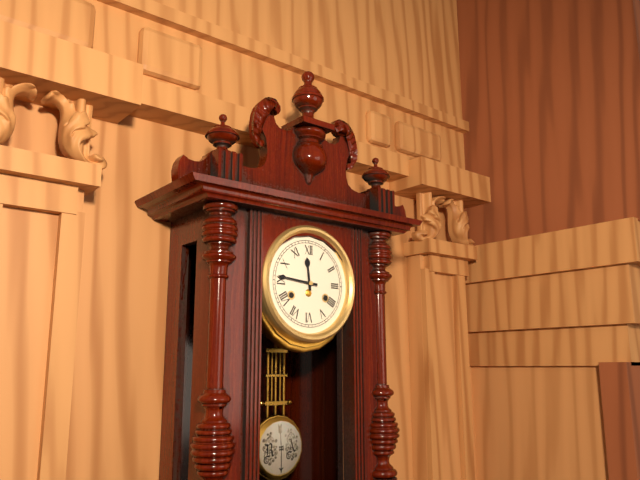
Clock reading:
**11:46**
